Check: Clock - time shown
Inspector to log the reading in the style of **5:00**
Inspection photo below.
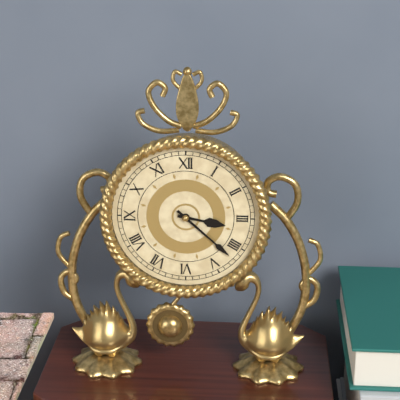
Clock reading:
**3:22**
